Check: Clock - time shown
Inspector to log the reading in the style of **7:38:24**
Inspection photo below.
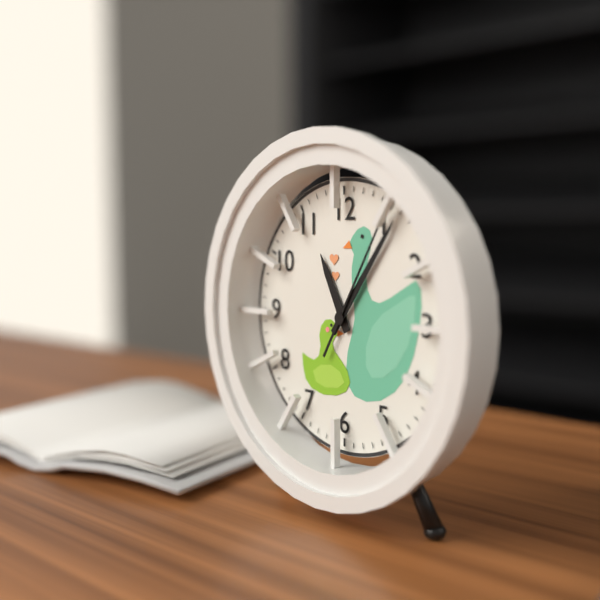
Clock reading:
**11:06:05**
